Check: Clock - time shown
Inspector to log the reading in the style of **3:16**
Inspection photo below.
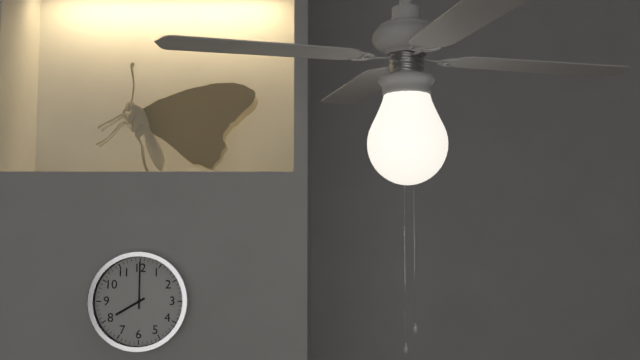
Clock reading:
**8:00**
